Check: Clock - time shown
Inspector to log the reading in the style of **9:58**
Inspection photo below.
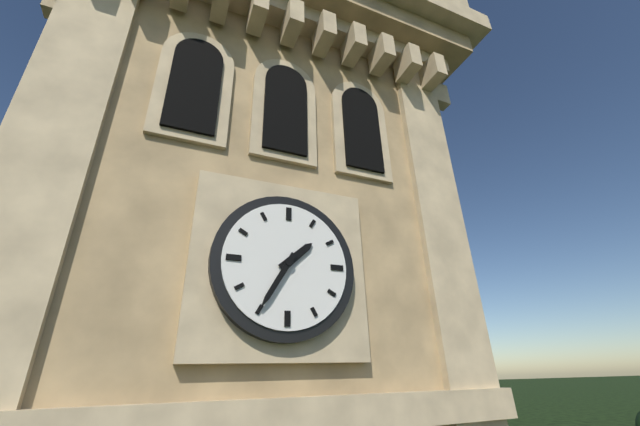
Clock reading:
**1:35**
